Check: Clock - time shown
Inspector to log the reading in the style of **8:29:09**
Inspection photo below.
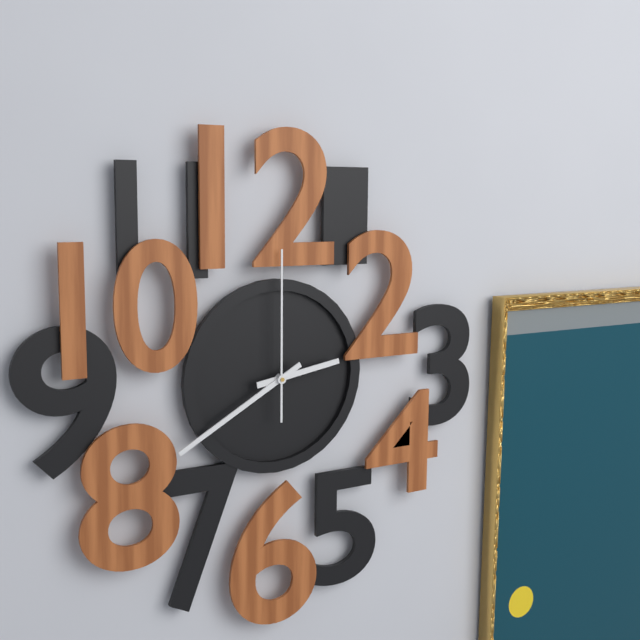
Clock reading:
**2:40:00**
